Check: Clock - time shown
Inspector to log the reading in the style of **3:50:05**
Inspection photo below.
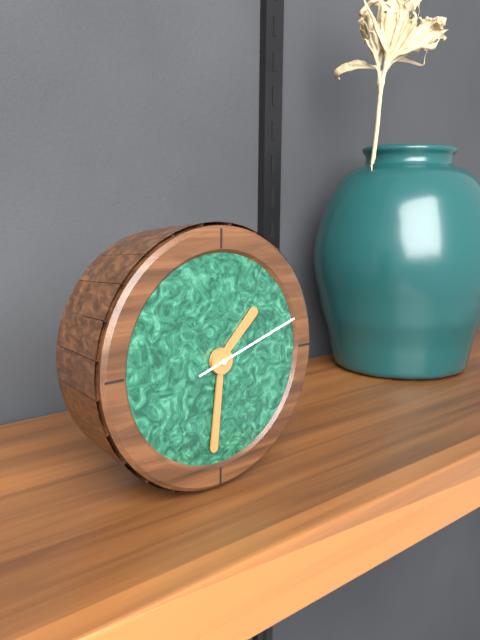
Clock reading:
**1:31:12**
